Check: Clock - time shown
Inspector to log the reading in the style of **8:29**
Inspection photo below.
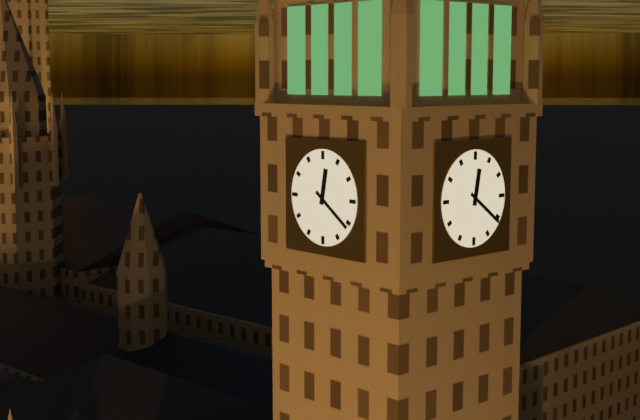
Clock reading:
**12:21**
